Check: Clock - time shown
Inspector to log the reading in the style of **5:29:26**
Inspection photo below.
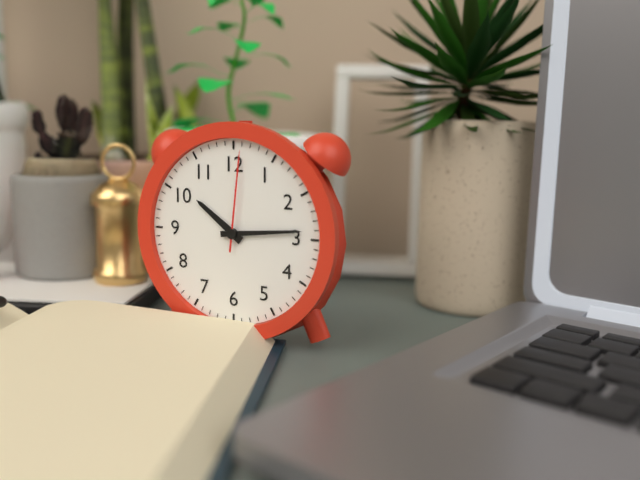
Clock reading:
**10:14:01**
